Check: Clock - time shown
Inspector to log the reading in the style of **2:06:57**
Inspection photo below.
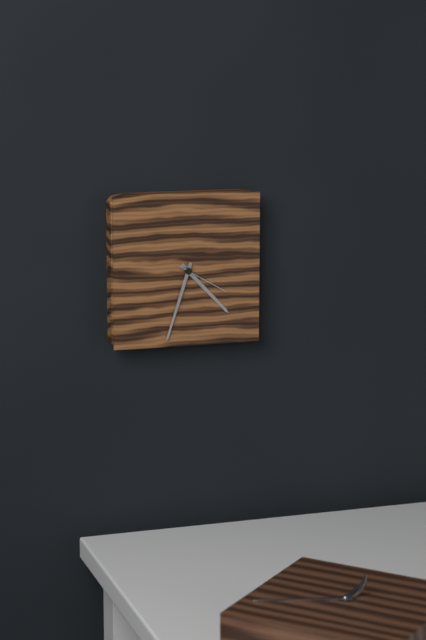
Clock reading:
**4:33:20**
